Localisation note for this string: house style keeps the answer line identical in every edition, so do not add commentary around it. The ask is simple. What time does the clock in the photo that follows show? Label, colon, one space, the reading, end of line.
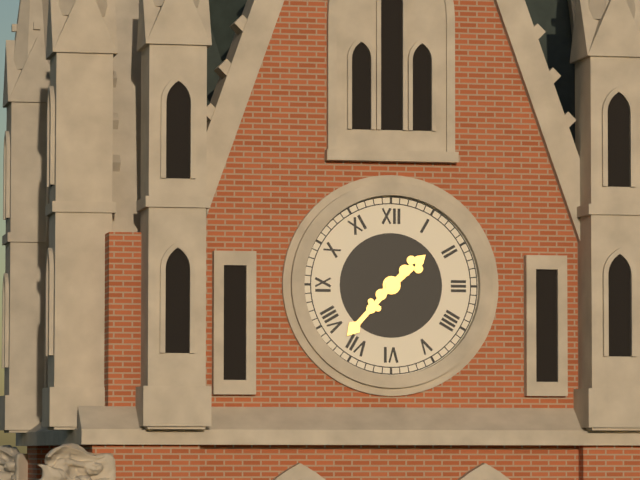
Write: 1:37
